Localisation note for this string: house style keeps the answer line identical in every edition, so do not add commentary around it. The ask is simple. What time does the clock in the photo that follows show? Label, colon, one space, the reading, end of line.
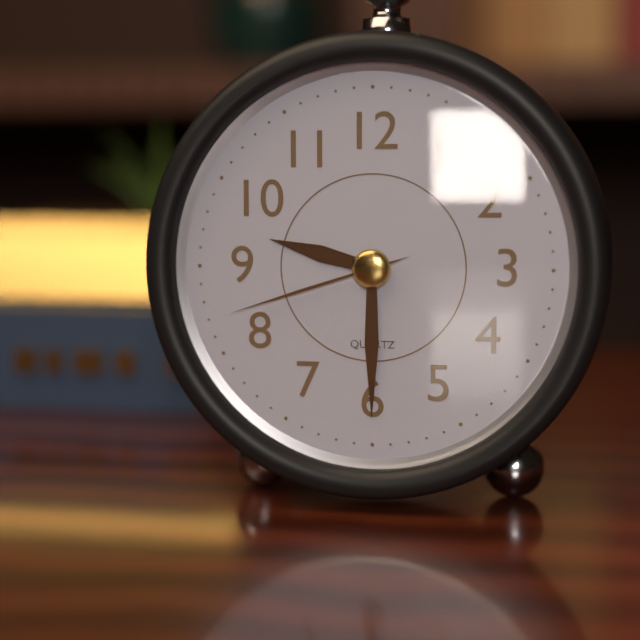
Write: 9:30:42
